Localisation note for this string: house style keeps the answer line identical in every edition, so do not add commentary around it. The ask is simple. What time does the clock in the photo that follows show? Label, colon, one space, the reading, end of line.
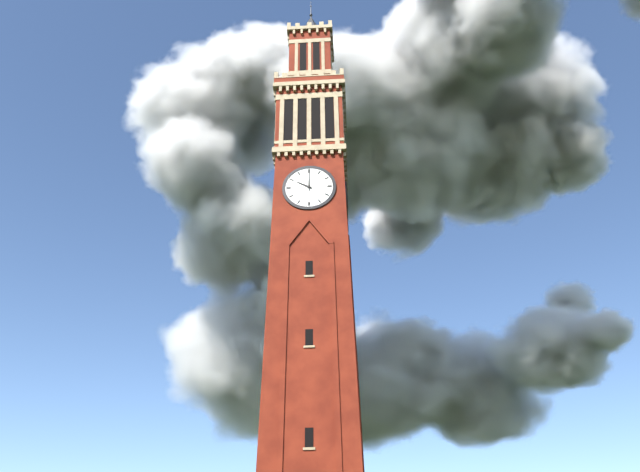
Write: 10:00
